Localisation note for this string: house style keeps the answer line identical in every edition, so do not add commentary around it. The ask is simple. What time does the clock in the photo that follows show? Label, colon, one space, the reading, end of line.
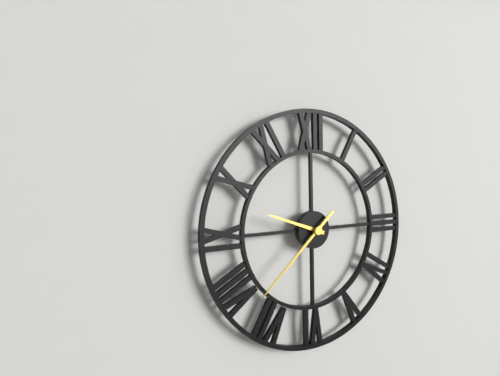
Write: 9:38
